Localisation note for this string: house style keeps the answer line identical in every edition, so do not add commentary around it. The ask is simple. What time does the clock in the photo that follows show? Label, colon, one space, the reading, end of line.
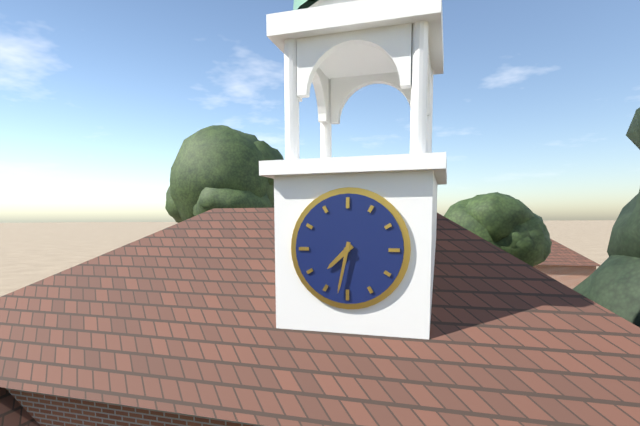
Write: 7:32
